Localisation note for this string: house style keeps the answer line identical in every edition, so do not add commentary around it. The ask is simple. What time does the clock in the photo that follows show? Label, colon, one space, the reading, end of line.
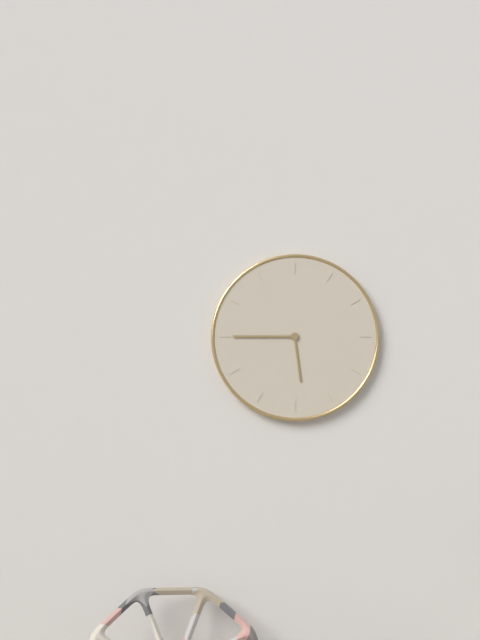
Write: 5:45
